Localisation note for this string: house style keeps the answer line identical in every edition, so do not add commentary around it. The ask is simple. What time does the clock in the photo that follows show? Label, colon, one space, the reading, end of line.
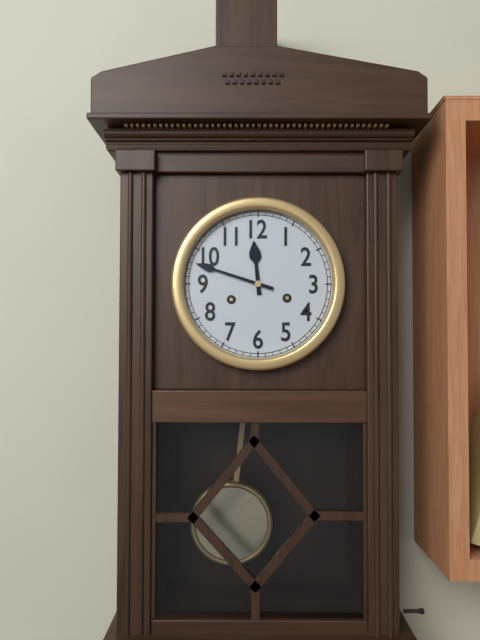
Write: 11:48
